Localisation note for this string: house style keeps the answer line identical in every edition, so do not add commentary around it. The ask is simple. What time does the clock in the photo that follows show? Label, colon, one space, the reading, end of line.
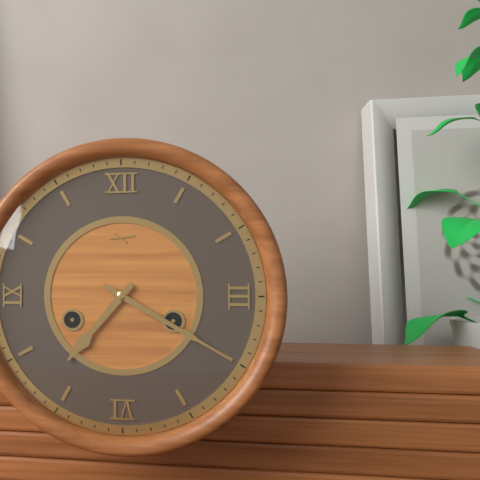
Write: 7:20
